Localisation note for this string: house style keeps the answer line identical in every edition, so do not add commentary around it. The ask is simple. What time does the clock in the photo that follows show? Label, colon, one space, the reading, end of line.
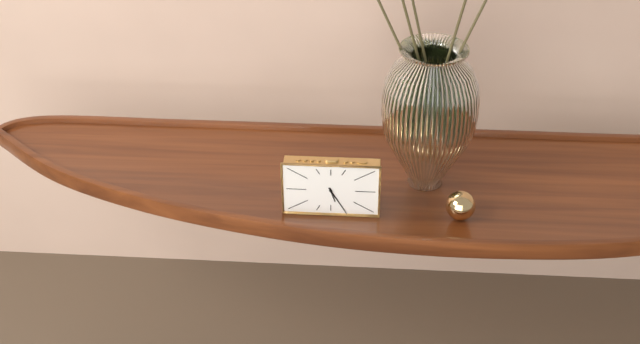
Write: 5:25
